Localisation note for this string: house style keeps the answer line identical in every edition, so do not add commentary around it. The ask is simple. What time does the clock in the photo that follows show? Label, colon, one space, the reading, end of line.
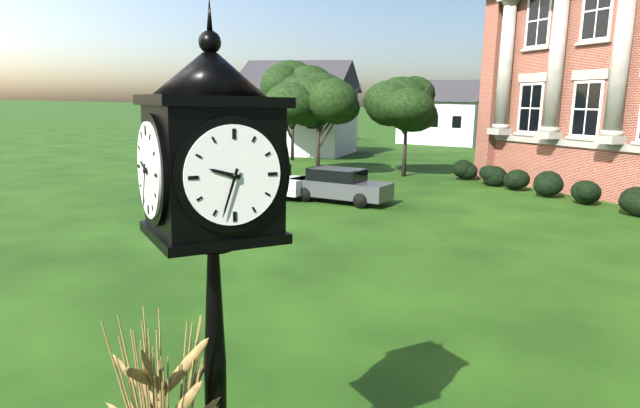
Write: 9:33
